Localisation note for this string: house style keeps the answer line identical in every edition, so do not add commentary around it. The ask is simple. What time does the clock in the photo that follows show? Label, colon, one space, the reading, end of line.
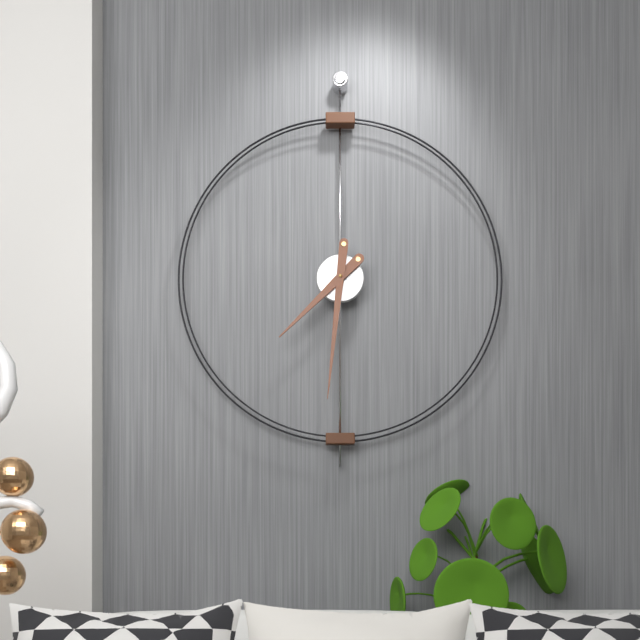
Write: 7:31
